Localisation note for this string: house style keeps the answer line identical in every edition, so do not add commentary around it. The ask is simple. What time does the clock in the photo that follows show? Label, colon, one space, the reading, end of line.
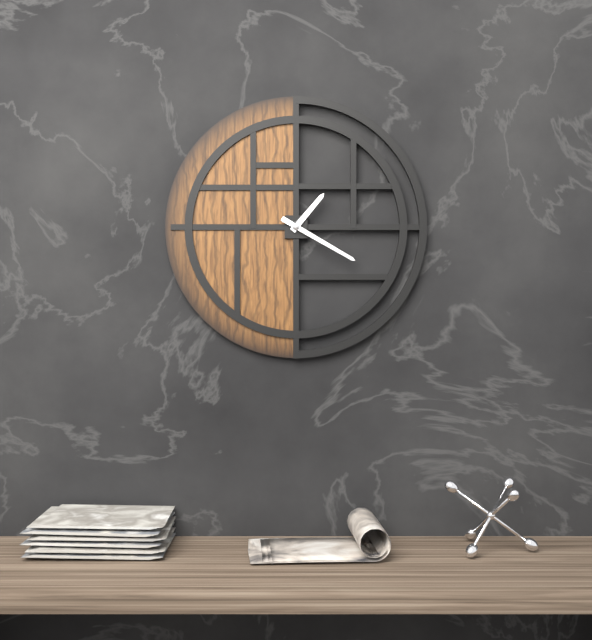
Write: 1:20
